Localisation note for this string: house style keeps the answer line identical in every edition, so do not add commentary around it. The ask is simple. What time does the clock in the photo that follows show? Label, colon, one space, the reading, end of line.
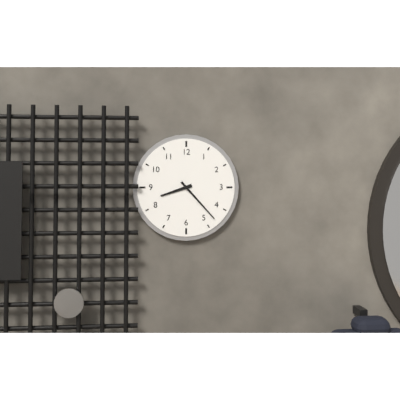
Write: 8:23
